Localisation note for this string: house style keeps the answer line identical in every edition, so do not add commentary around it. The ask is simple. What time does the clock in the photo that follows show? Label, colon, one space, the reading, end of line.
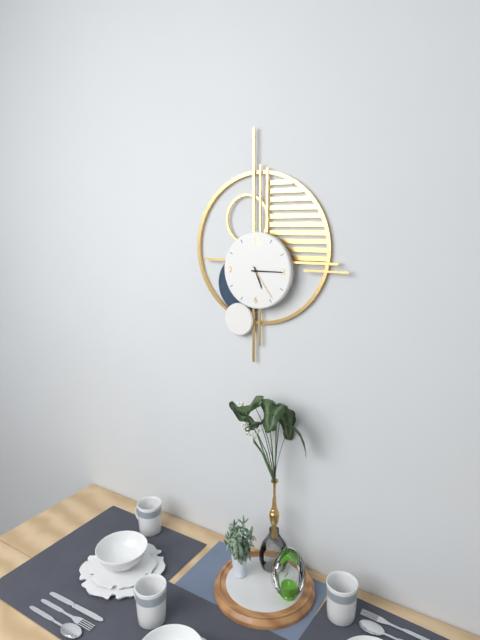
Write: 5:15
